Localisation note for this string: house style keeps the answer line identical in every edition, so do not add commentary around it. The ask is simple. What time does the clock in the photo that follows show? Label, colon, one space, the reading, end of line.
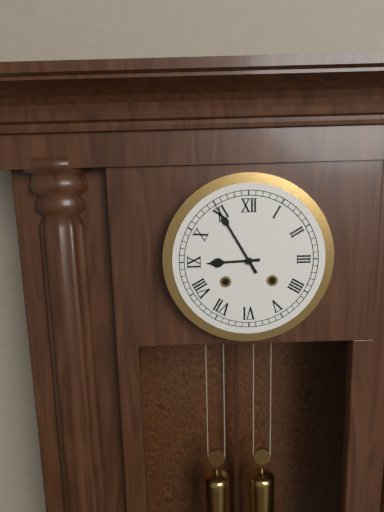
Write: 8:55
